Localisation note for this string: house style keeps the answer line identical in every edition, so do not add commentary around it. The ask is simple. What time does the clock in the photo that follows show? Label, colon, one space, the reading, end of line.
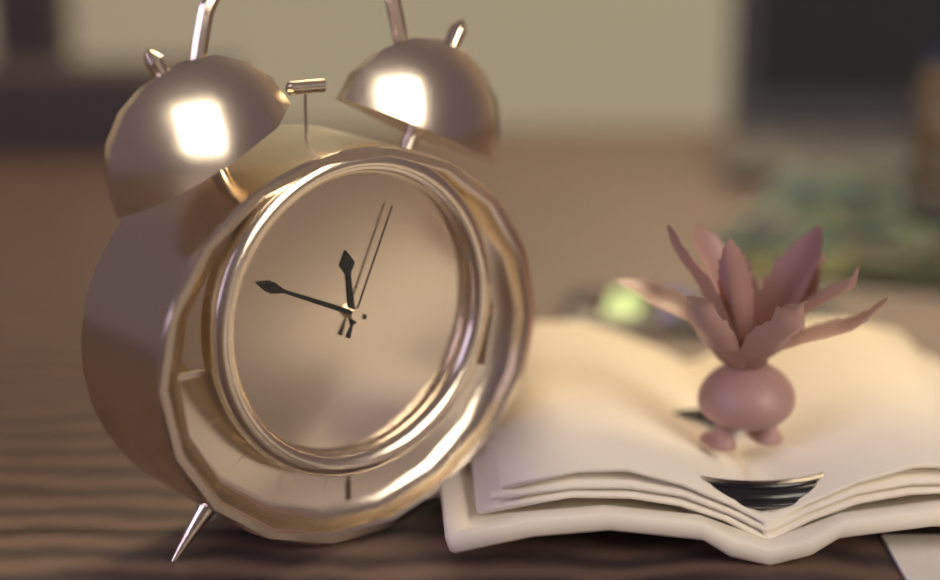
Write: 11:49:04
